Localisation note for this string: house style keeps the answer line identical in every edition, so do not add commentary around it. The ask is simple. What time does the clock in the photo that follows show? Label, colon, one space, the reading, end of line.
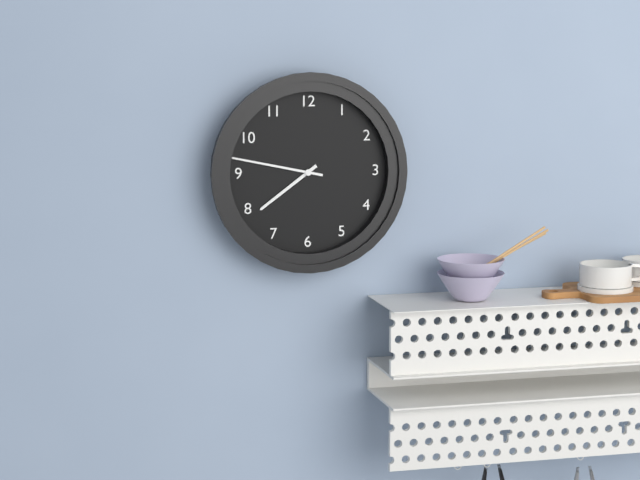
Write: 7:47
